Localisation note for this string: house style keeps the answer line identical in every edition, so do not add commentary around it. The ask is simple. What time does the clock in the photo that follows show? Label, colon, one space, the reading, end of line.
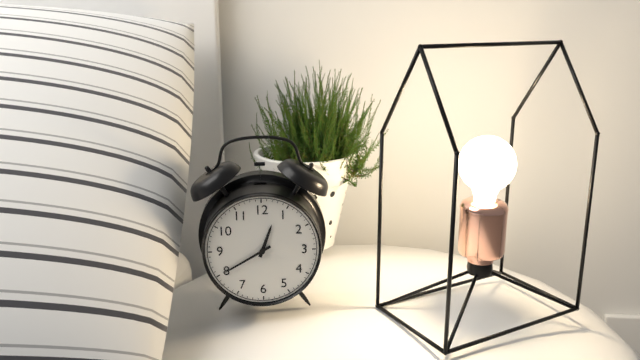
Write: 12:40
